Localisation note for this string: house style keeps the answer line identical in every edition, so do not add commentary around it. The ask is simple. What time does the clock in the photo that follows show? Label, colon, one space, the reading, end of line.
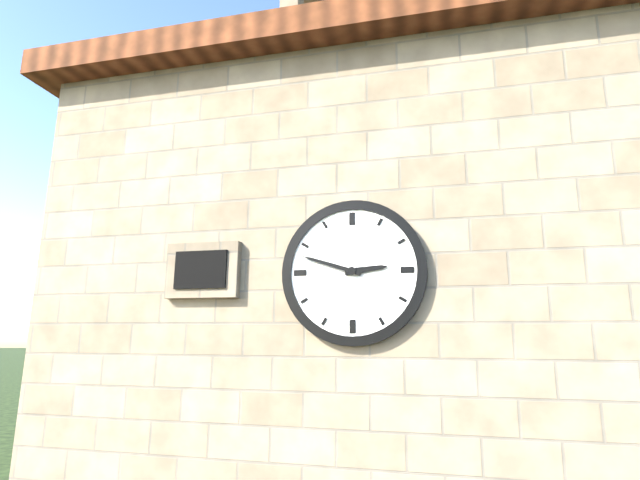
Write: 2:48
